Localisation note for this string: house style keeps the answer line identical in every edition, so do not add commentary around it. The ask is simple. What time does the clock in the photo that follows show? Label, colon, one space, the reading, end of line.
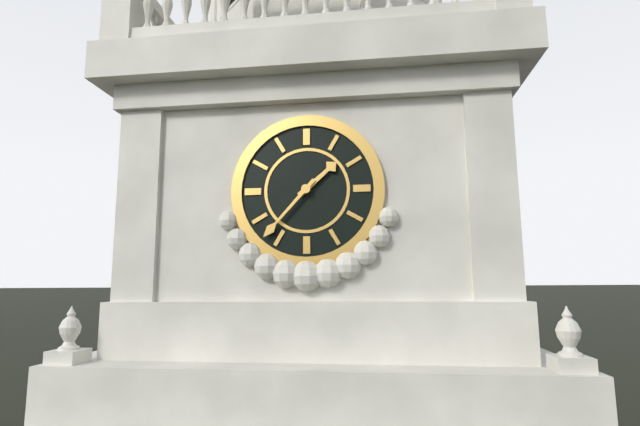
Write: 1:37
